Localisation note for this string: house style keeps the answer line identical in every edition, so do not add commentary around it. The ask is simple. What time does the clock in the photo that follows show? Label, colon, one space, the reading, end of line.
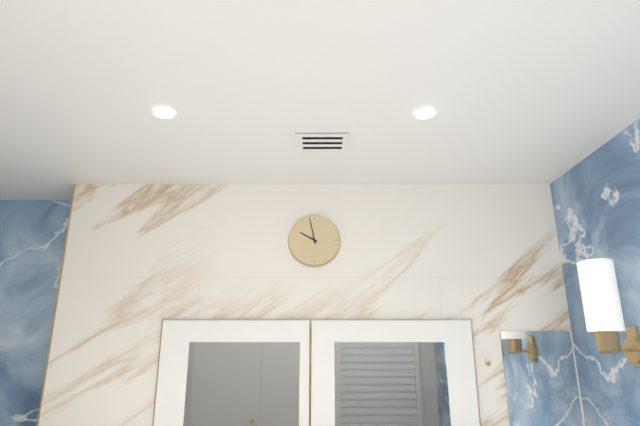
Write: 9:58
